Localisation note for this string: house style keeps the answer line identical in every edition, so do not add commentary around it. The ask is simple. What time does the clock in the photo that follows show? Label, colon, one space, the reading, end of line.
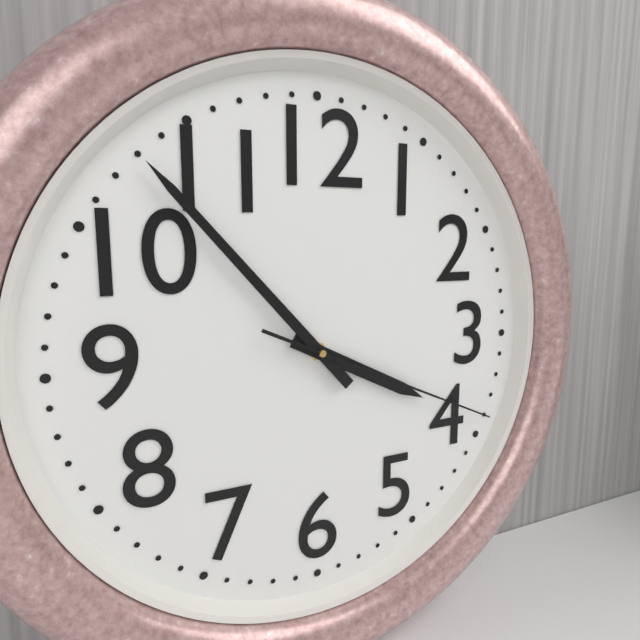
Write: 3:53:19
